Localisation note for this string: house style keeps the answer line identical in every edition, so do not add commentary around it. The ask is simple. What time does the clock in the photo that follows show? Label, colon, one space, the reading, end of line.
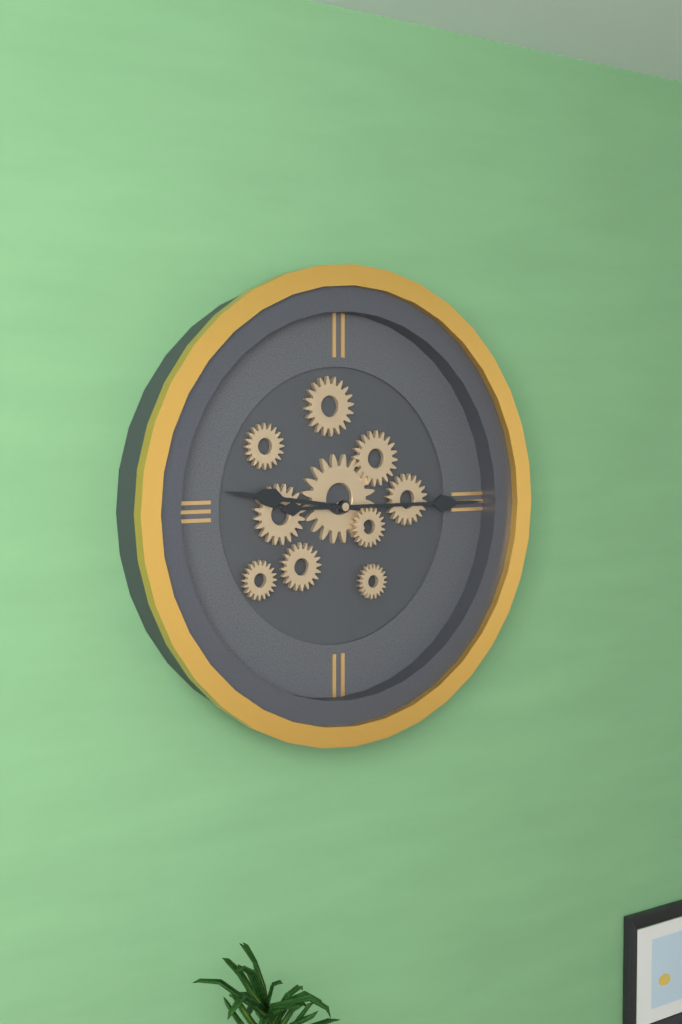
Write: 9:15
